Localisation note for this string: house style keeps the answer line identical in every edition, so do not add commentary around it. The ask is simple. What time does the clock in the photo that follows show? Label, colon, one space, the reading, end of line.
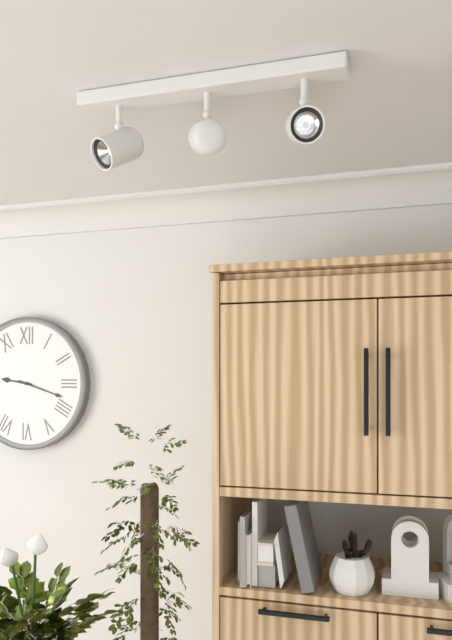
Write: 9:18
